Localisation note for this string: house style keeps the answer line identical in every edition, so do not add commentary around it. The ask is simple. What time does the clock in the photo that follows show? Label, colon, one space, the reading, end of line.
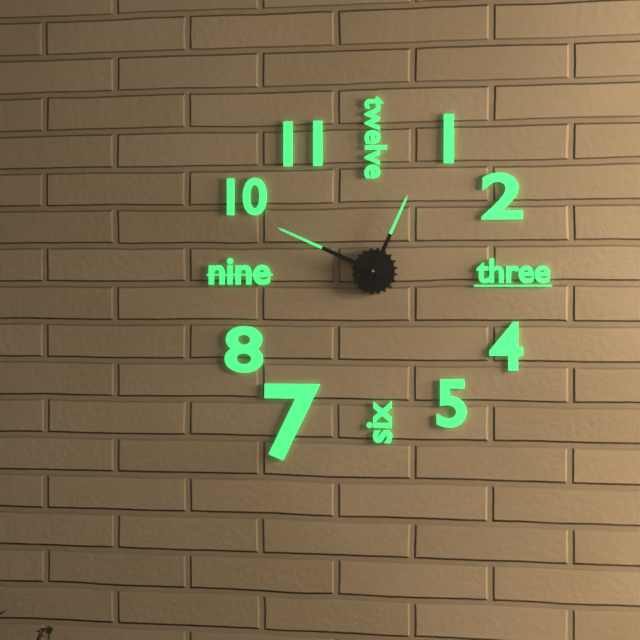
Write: 12:49
